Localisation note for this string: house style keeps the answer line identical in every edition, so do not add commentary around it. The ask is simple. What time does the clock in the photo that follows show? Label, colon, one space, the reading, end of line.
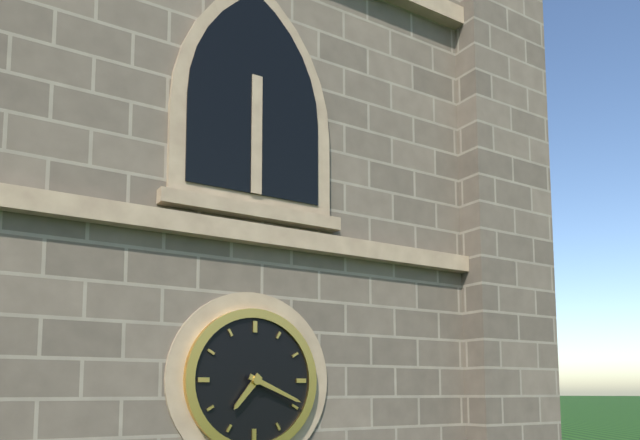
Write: 7:19
